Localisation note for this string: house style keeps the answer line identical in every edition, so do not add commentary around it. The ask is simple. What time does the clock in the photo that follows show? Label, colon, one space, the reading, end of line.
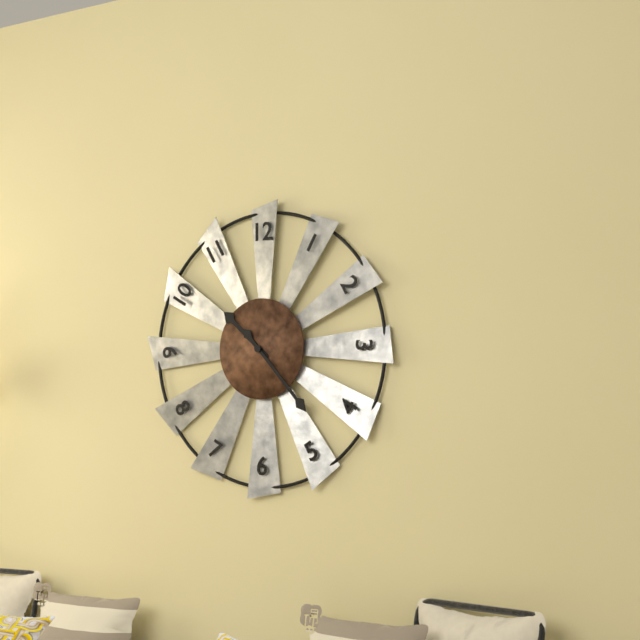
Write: 10:23
